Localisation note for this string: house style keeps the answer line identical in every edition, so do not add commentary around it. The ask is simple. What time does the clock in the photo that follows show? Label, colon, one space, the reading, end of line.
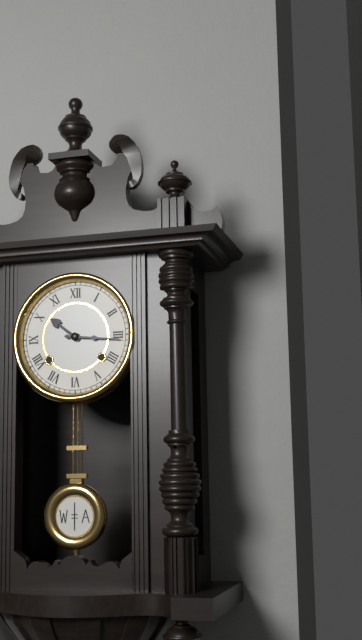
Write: 10:16
